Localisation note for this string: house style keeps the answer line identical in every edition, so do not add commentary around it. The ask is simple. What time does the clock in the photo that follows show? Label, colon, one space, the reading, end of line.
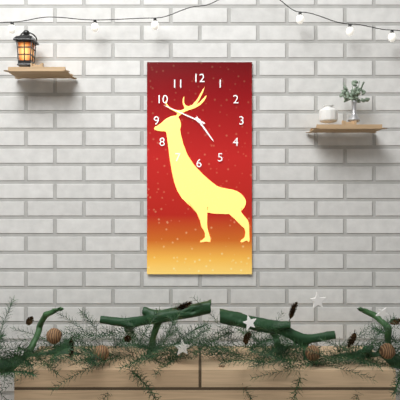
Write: 4:49
